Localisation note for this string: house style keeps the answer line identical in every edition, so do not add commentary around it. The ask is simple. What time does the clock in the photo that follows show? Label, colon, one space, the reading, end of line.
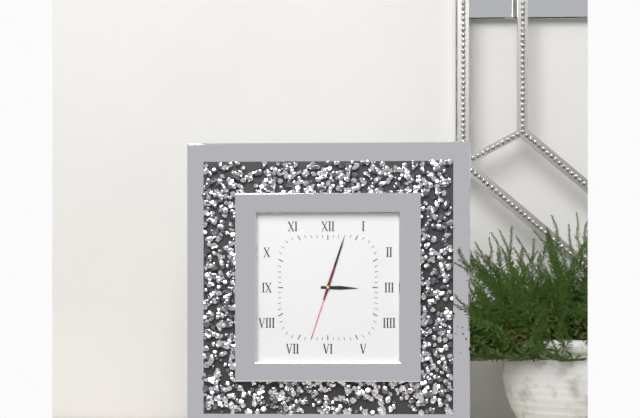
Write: 3:03:33
